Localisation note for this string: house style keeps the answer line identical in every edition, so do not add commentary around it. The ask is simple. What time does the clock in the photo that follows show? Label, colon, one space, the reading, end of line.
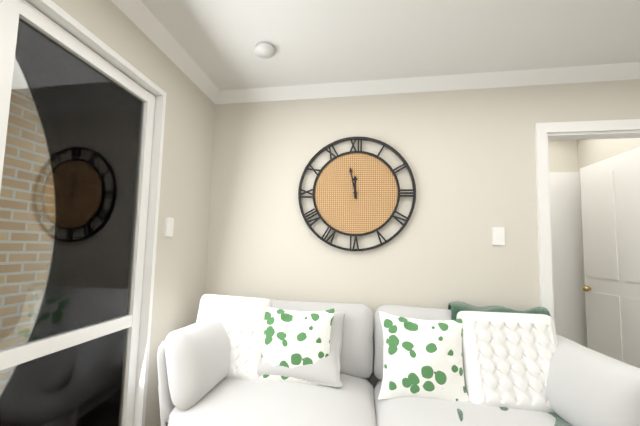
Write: 11:58
